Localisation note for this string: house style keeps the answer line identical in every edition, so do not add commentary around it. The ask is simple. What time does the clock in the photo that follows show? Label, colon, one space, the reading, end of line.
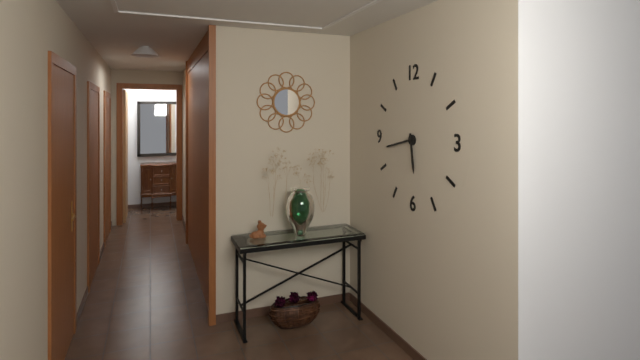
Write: 5:43
